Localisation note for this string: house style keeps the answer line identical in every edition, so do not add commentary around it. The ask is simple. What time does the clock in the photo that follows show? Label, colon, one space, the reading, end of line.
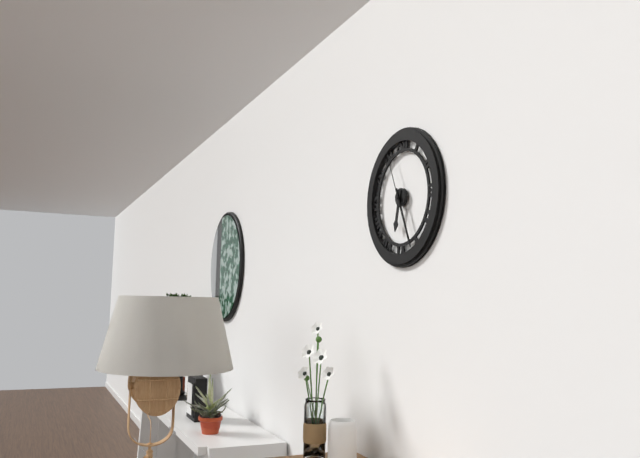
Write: 6:26:56
